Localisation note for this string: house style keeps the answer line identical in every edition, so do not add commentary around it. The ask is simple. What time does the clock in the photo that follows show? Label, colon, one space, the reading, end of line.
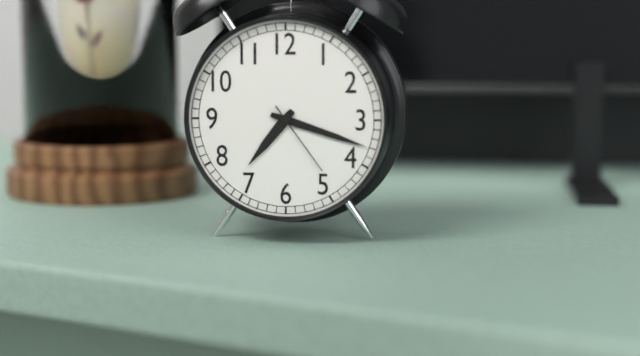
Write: 7:18:24
